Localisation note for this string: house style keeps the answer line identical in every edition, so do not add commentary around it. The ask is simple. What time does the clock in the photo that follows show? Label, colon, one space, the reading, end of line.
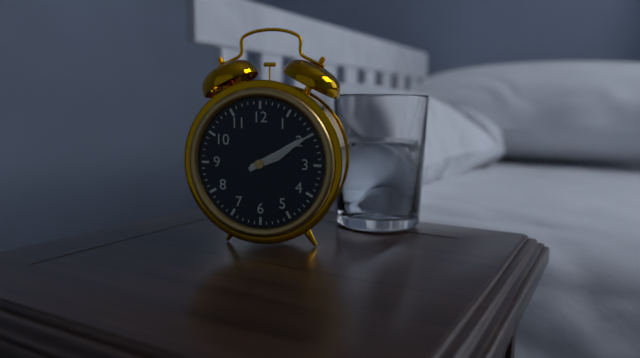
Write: 2:10
